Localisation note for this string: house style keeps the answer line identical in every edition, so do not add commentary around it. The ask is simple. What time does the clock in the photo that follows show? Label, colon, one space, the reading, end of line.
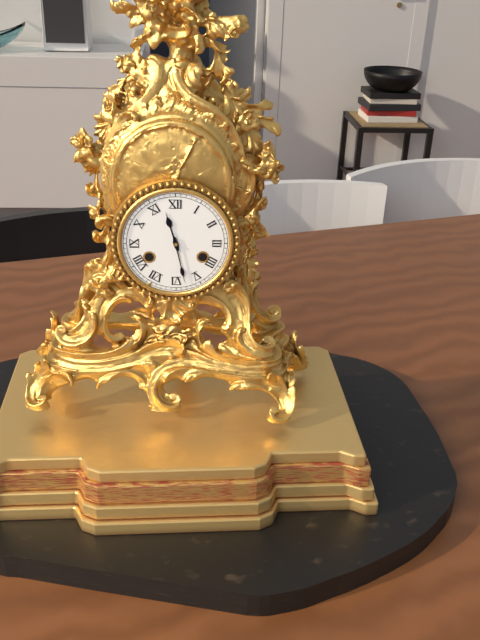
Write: 11:28
